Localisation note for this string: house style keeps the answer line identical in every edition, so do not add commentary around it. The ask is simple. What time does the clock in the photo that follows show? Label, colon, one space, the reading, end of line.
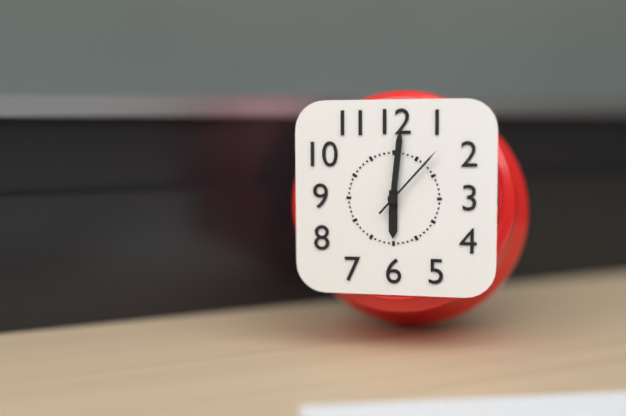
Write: 6:01:07
